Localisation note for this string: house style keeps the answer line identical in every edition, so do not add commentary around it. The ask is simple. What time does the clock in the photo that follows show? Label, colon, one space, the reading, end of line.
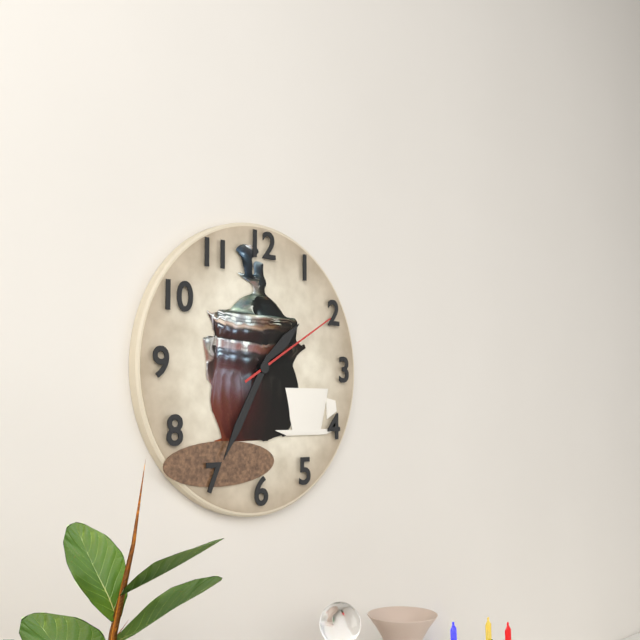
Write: 1:35:10
